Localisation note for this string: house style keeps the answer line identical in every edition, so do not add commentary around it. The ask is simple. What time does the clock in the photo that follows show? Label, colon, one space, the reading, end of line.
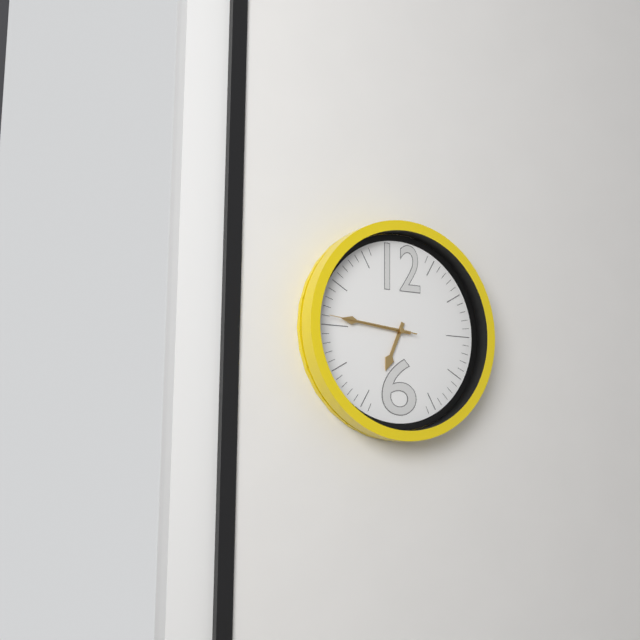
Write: 6:46:46
